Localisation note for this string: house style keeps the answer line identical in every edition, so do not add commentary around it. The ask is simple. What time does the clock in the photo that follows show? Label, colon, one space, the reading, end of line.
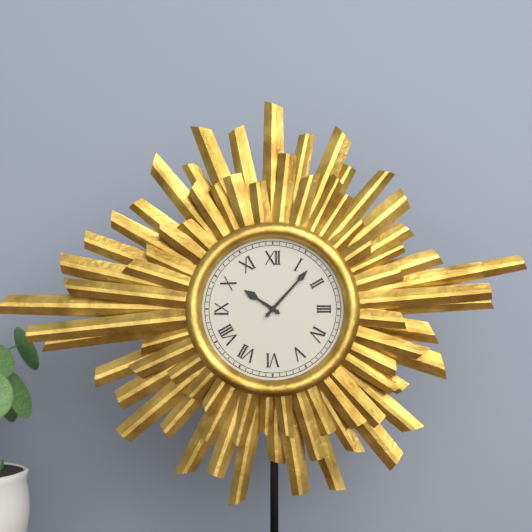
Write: 10:07
